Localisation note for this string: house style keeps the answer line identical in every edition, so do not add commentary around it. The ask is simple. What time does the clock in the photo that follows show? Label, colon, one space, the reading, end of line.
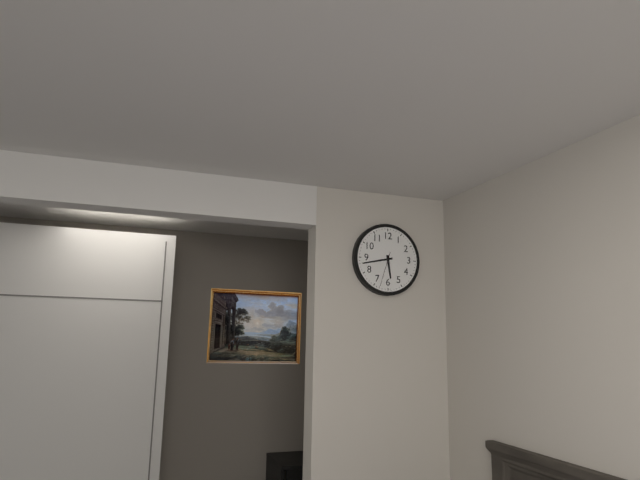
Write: 5:43
